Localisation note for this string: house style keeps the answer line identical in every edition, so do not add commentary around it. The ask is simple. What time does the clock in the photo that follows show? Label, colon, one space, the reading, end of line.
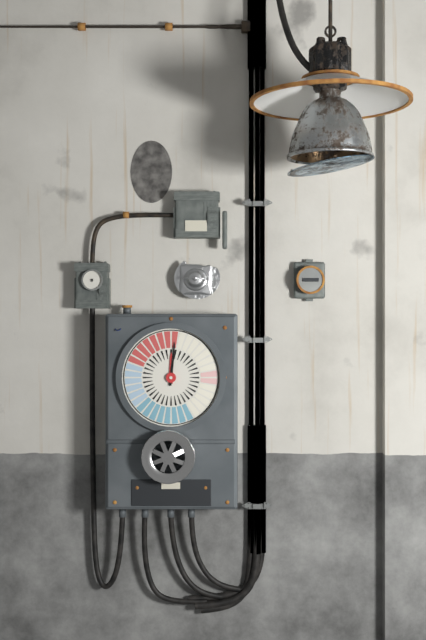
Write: 12:01
